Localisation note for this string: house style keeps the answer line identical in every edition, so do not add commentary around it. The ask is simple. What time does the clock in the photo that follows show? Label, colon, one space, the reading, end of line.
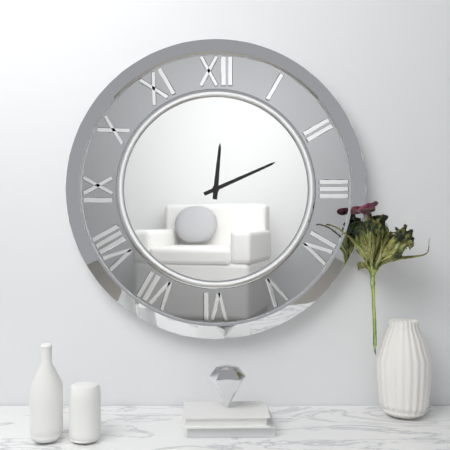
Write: 12:11
